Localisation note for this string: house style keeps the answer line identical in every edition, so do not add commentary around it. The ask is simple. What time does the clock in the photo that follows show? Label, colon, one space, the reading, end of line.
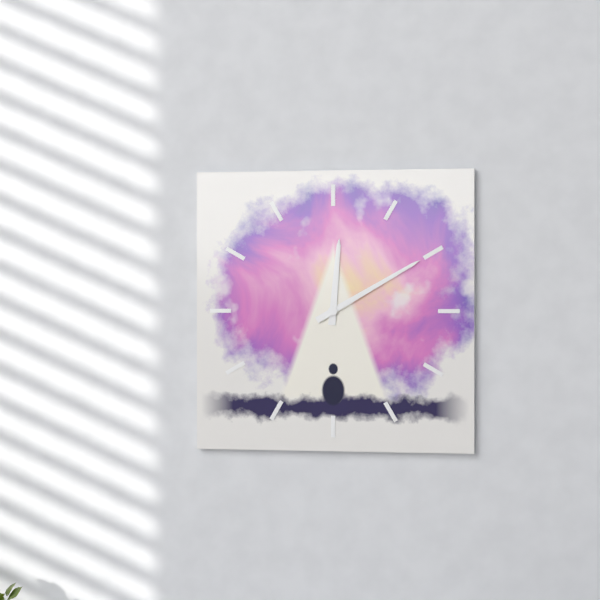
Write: 12:10
